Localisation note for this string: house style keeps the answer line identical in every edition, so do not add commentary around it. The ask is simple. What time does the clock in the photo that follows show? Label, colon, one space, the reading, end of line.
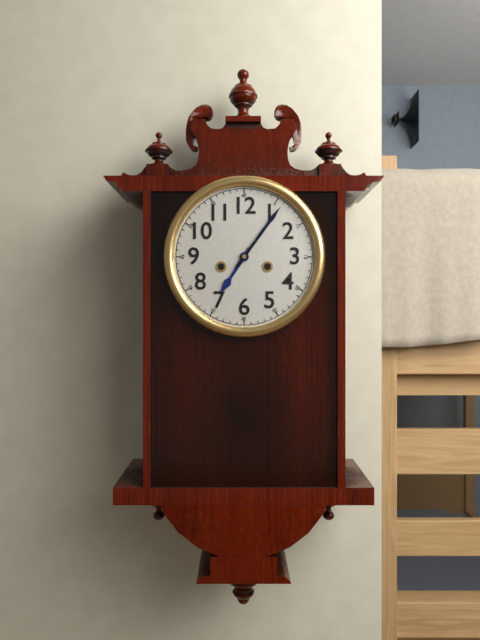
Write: 7:06
